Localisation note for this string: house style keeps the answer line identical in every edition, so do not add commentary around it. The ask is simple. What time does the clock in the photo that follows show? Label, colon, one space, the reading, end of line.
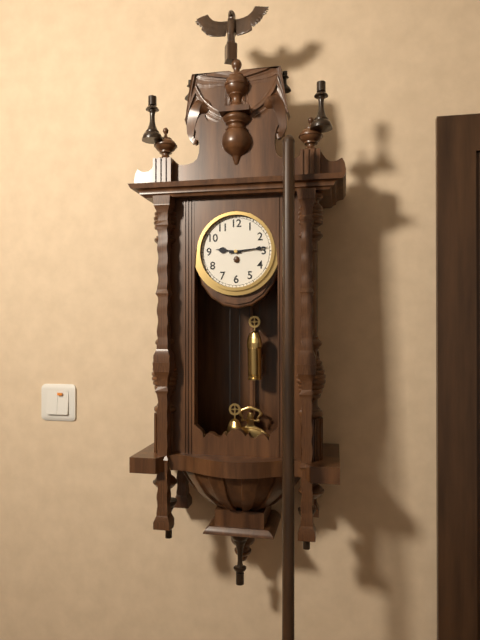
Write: 9:14
